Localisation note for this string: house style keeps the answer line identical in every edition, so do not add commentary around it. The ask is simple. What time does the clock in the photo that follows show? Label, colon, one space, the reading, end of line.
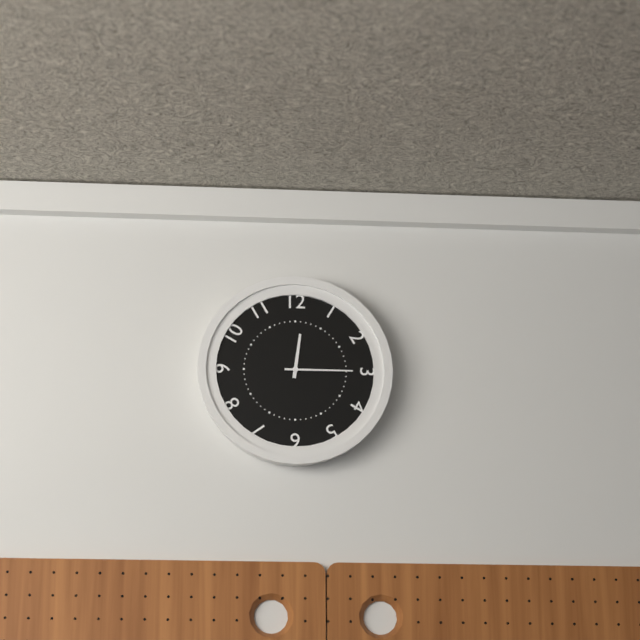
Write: 12:15
